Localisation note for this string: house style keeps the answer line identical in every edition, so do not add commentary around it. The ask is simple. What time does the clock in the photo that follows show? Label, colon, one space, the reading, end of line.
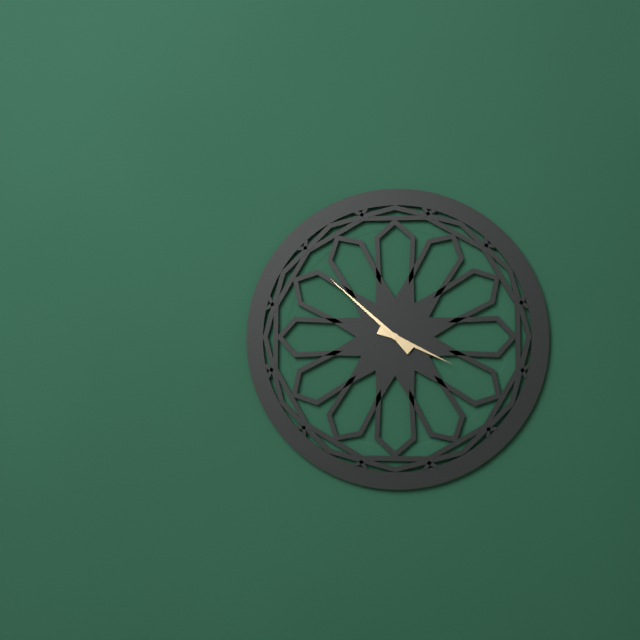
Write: 3:52
